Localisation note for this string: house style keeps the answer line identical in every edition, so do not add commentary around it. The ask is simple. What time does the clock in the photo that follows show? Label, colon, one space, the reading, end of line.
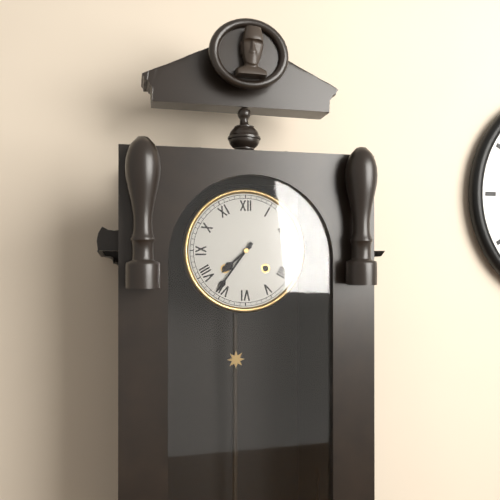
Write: 7:36
